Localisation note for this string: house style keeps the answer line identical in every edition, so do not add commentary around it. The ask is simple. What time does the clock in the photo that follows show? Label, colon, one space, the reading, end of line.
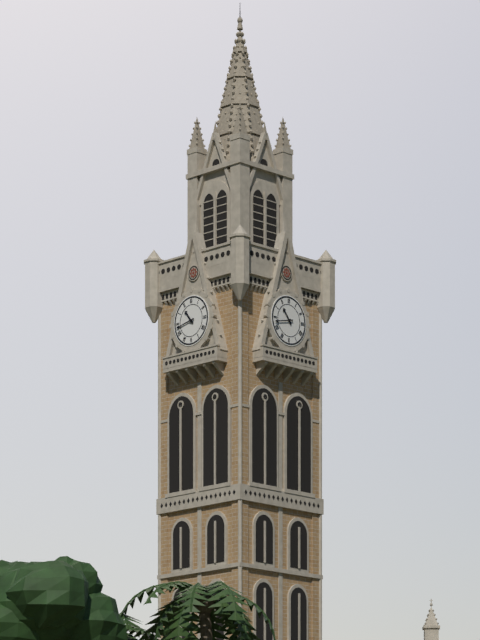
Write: 10:43
